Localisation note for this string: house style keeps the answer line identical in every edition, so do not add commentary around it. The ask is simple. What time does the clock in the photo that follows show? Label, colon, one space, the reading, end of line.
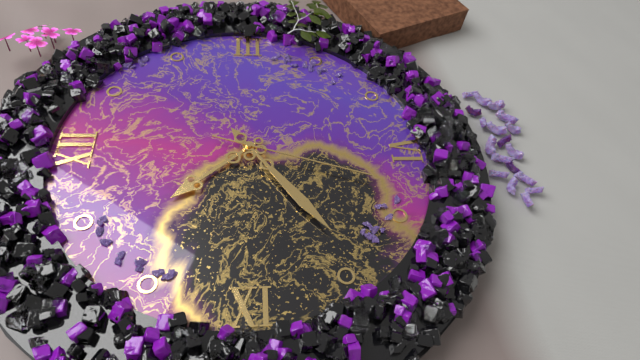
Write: 10:39:33
